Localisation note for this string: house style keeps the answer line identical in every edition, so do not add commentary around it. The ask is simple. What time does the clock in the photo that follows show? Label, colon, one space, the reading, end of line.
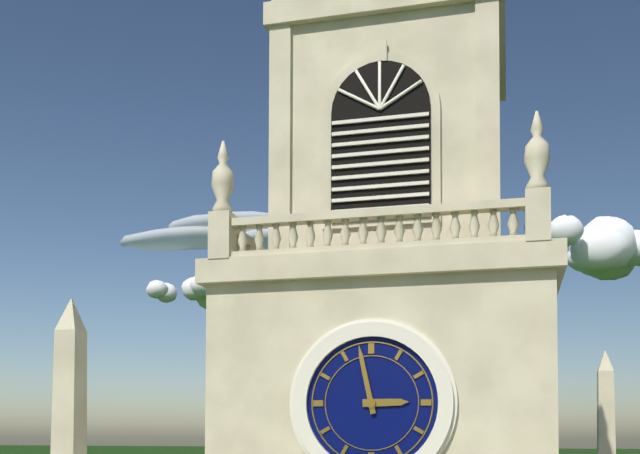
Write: 2:58
